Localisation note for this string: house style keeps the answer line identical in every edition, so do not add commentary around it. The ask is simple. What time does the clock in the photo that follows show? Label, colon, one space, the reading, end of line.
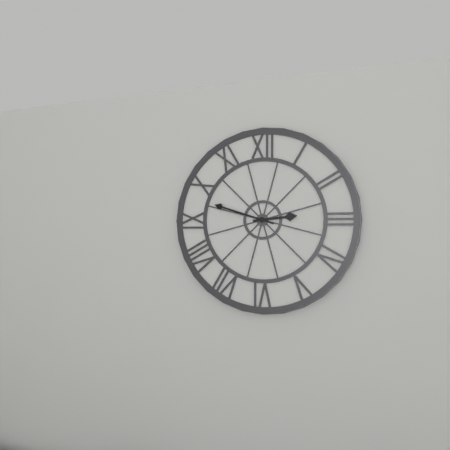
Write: 2:48
